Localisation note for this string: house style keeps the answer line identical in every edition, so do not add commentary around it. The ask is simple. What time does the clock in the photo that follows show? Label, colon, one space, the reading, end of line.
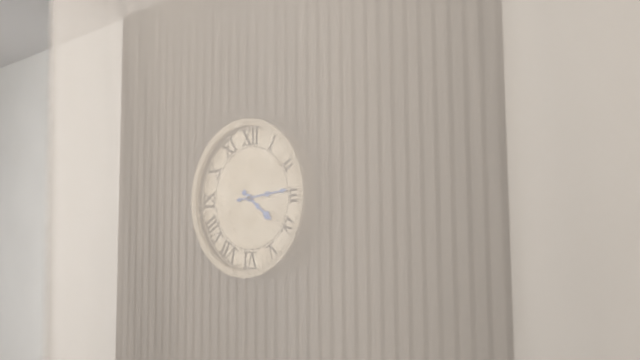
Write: 4:14
